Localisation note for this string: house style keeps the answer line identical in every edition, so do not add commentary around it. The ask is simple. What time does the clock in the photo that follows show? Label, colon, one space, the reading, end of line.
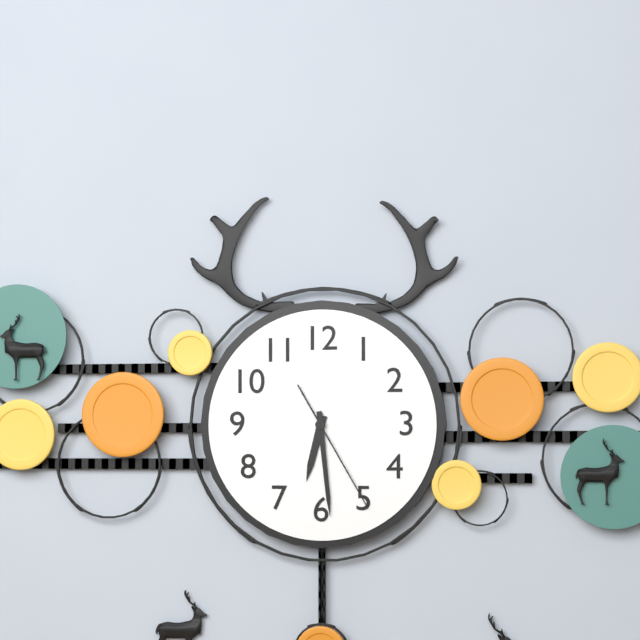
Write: 6:29:25
